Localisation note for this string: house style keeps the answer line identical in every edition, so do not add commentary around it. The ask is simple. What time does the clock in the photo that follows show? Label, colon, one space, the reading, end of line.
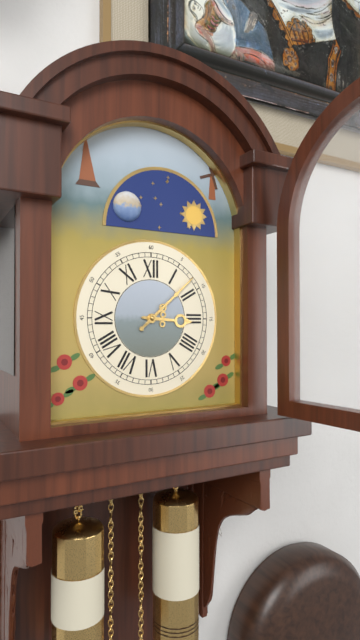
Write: 3:08
